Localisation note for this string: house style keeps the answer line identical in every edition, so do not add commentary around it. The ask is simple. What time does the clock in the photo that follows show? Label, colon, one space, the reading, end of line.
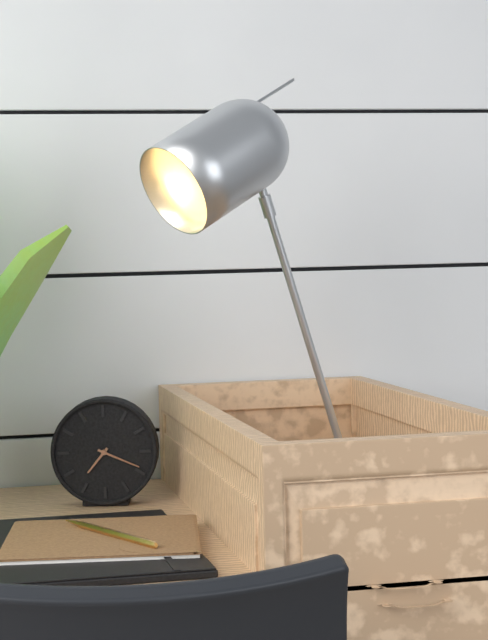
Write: 7:19
